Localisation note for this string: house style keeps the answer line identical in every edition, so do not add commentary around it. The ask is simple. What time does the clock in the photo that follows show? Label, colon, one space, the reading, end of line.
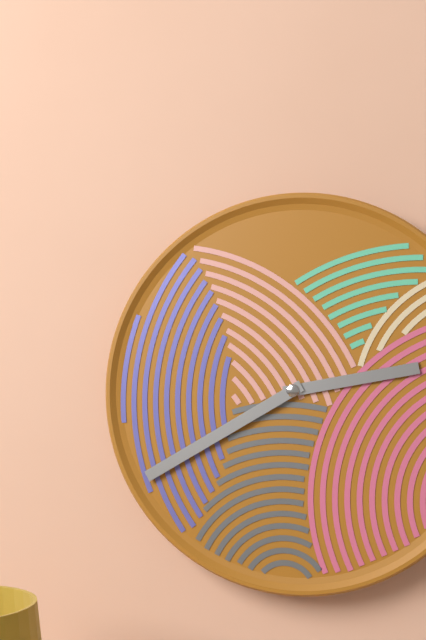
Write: 2:40
